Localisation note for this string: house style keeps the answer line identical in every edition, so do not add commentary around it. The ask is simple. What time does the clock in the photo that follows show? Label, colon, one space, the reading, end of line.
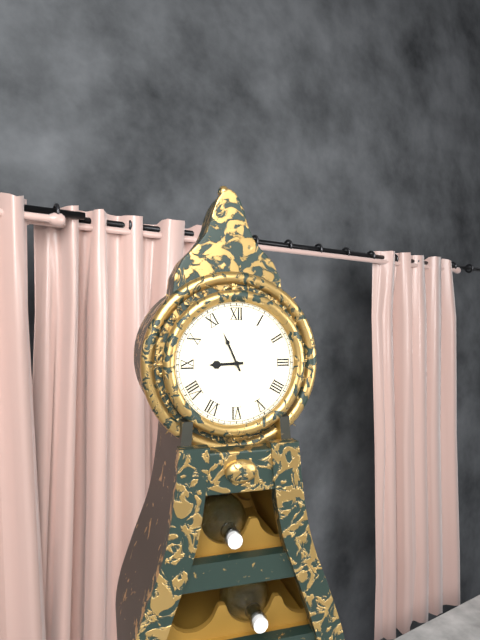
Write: 8:56
